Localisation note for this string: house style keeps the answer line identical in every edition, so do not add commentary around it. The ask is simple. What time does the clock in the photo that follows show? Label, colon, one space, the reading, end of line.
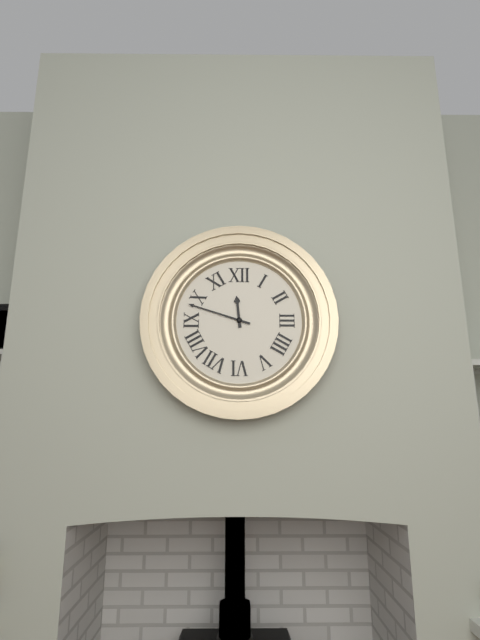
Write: 11:48
